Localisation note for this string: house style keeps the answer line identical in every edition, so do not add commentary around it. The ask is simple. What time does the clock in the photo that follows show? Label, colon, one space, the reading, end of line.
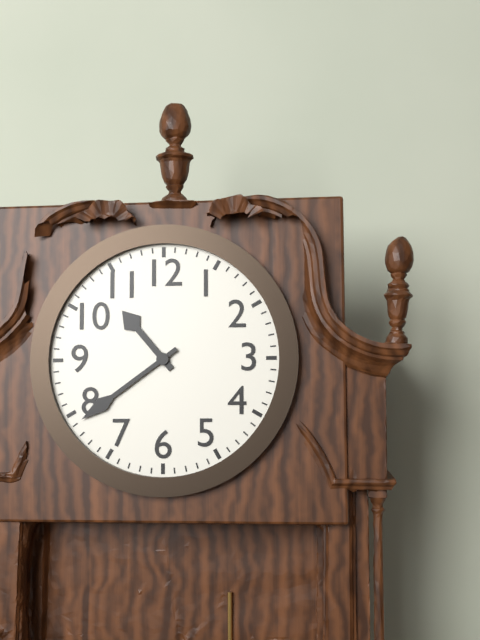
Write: 10:39
